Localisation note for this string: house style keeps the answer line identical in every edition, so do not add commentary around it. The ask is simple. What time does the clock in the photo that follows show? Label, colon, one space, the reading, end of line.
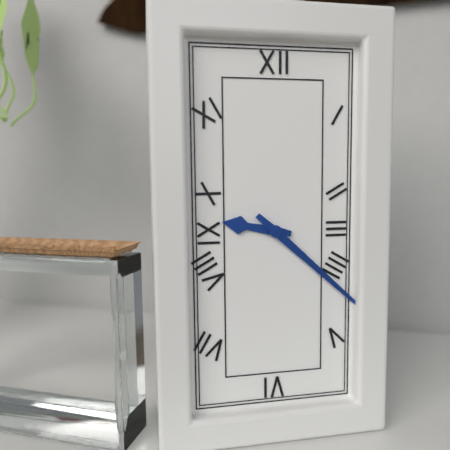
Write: 9:22
